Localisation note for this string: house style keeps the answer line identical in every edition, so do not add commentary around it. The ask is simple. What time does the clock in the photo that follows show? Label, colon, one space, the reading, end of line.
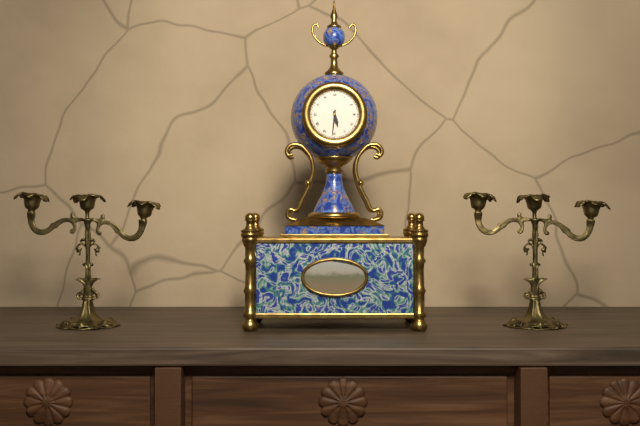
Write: 5:31
